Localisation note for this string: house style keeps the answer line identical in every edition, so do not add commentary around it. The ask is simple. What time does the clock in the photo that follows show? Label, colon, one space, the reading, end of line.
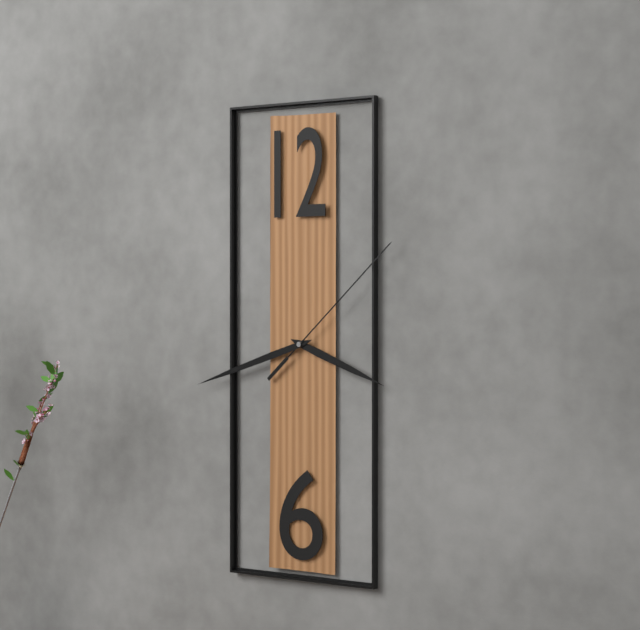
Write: 3:42:08
